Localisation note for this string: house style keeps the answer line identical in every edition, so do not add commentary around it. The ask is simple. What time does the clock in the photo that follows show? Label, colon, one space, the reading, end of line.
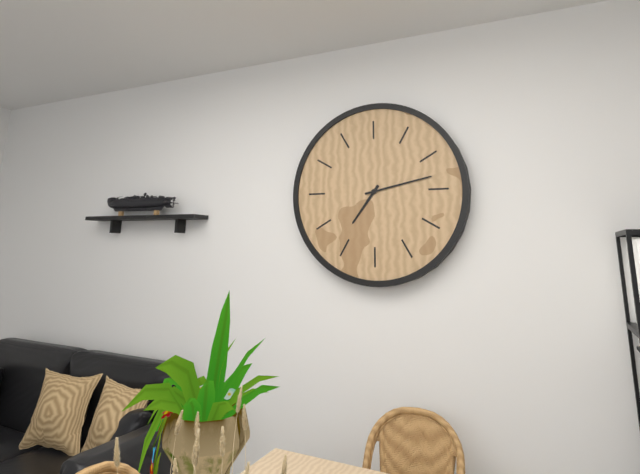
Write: 7:13
